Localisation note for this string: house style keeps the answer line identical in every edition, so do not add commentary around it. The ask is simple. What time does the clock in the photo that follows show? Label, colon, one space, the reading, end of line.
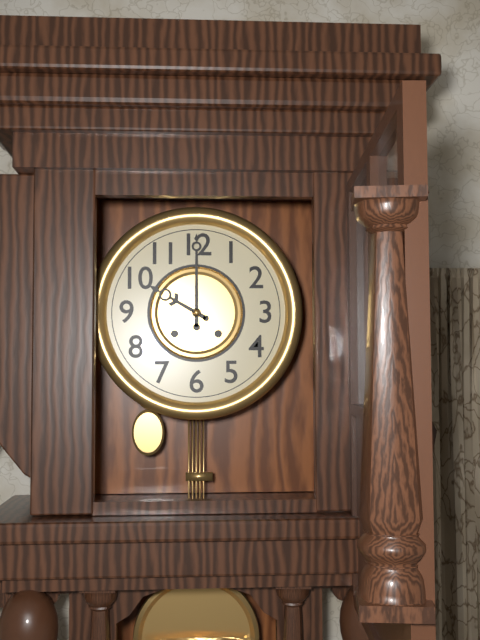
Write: 10:00
